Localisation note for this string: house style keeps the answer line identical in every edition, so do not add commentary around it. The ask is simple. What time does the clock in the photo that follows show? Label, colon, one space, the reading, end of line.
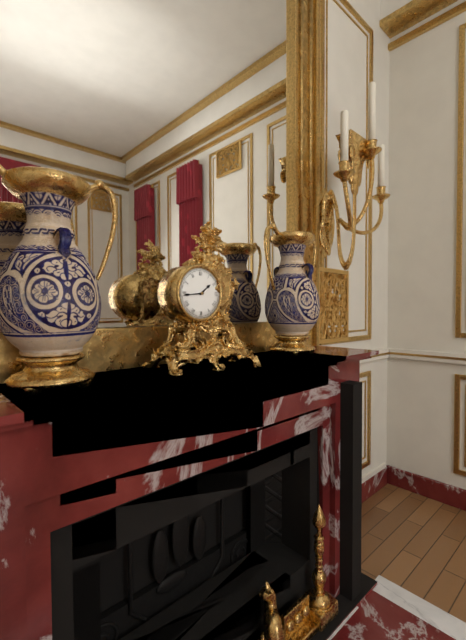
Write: 1:44
